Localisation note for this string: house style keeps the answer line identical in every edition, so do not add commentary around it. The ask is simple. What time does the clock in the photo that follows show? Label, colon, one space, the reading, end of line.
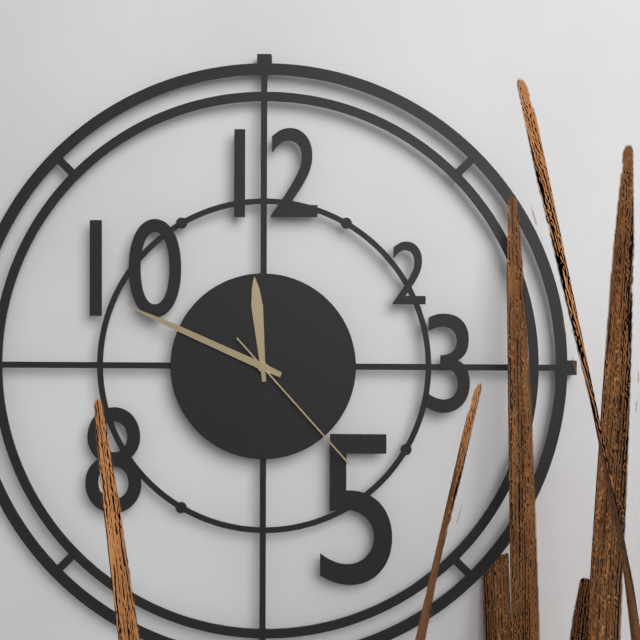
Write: 11:49:23
